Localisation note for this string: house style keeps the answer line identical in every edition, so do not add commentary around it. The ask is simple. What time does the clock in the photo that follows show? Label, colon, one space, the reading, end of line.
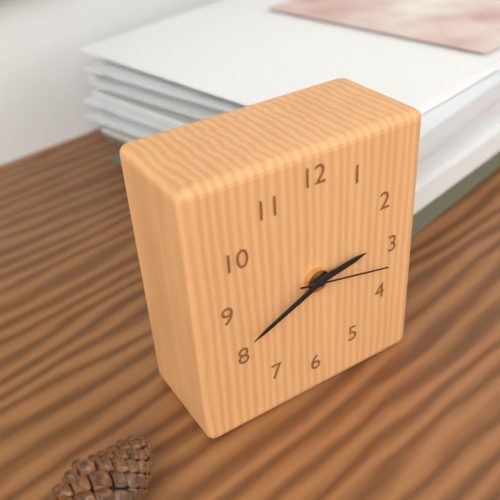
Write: 2:41:17
